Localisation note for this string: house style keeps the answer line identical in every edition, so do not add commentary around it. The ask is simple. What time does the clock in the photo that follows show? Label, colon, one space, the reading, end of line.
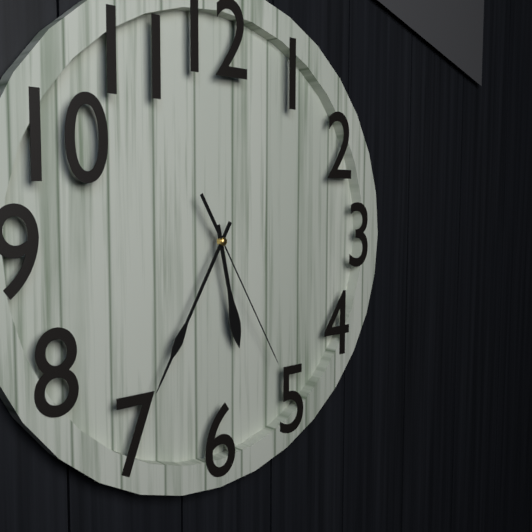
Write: 5:35:25
